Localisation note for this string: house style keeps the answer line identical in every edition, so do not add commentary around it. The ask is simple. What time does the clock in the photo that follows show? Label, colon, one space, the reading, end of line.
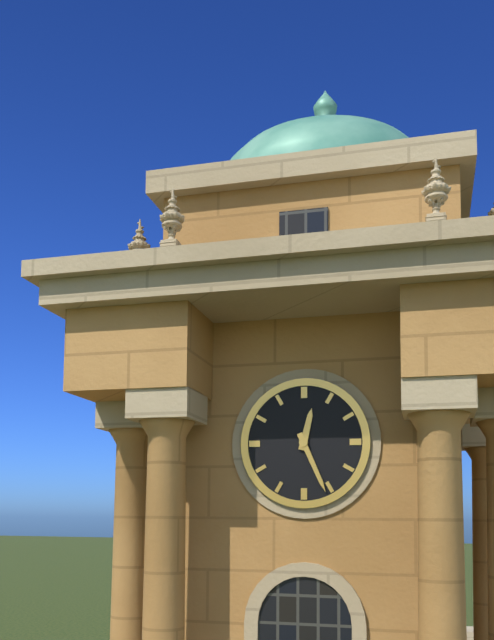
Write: 12:26
